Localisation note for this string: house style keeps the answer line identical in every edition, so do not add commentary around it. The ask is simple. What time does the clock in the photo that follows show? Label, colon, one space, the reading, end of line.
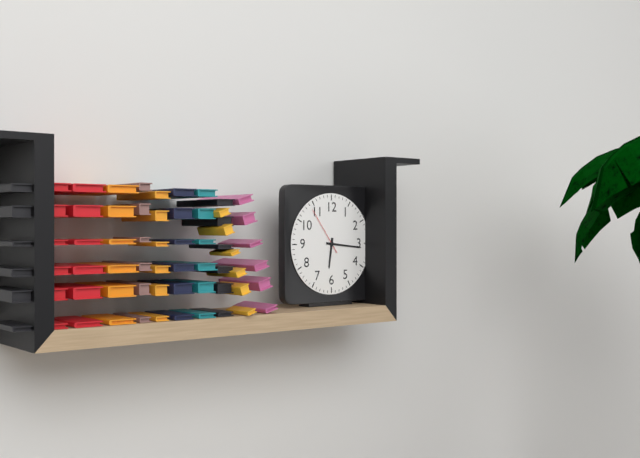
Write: 6:16:54
